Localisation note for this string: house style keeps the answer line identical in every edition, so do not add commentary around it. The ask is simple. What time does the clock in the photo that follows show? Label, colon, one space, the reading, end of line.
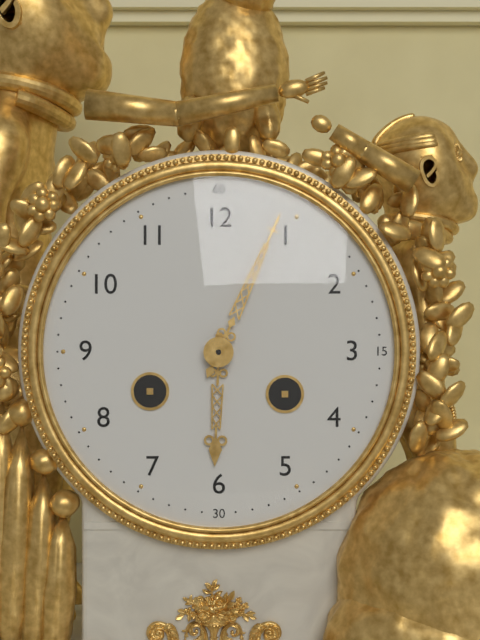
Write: 6:04
